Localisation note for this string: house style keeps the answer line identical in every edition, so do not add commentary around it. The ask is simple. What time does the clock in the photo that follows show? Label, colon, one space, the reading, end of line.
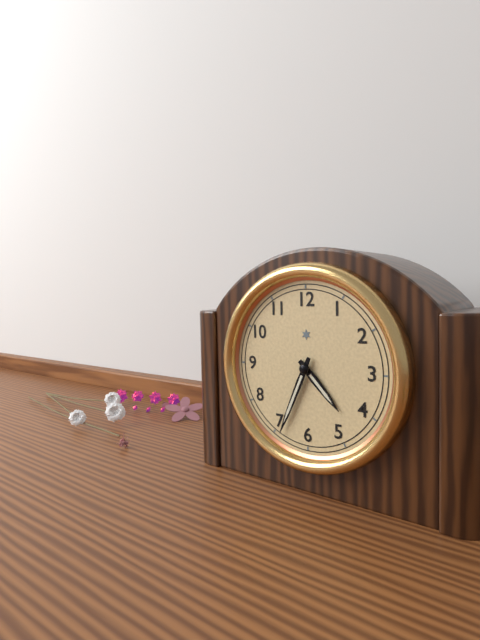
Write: 4:34
